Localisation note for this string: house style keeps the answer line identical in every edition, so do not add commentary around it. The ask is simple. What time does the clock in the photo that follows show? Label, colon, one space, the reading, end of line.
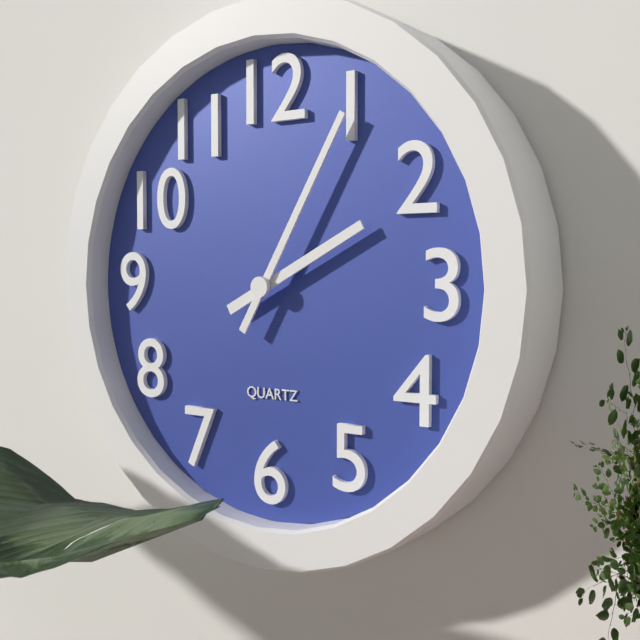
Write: 2:05
